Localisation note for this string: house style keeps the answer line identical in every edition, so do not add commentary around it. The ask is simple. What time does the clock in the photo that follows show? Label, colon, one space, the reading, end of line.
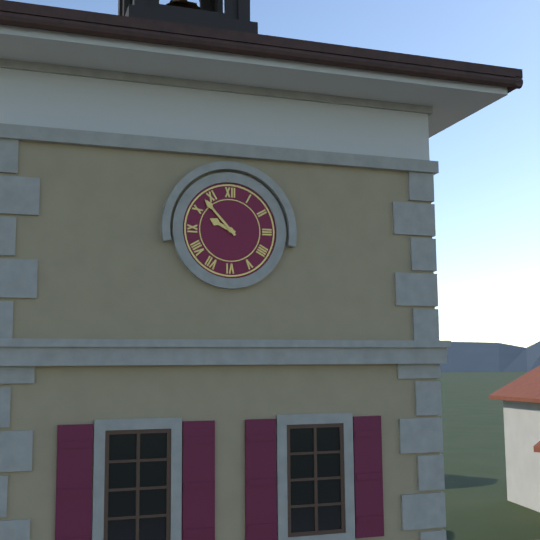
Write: 9:53
